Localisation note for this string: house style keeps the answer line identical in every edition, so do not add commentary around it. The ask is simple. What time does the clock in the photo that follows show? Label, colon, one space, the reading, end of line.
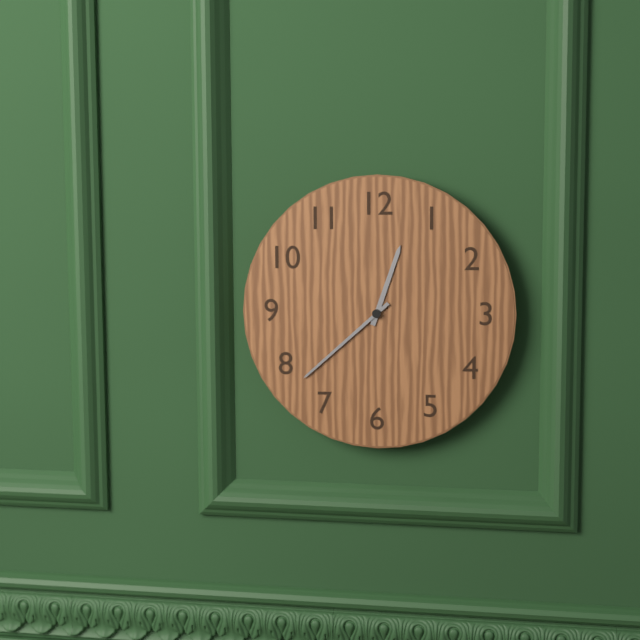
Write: 12:38
